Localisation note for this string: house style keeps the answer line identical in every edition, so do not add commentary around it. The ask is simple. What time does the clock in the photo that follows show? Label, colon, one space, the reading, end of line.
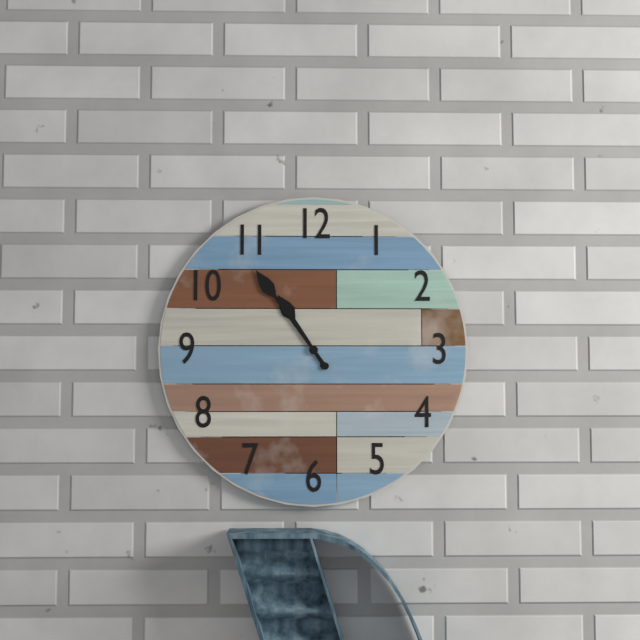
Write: 10:54
